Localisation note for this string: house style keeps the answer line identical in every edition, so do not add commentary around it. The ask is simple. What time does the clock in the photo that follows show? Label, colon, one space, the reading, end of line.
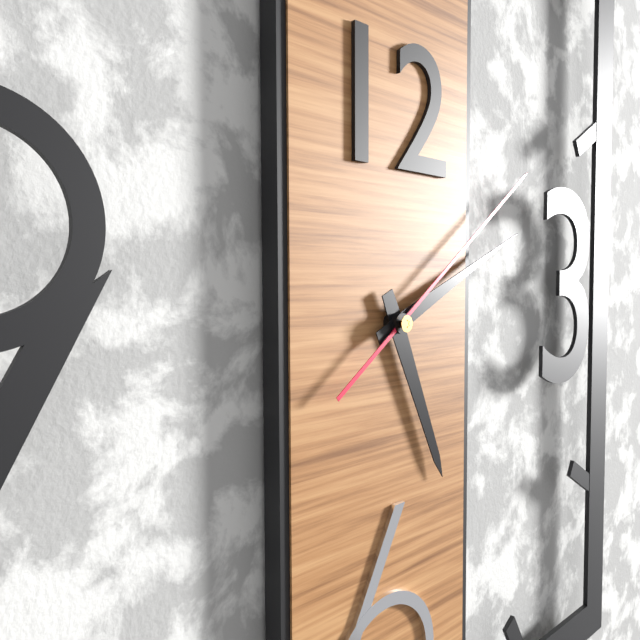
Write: 5:11:09
